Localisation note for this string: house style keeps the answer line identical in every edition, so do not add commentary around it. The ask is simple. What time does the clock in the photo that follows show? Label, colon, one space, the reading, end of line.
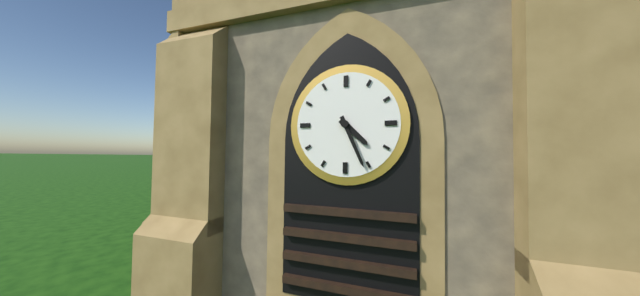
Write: 4:26
